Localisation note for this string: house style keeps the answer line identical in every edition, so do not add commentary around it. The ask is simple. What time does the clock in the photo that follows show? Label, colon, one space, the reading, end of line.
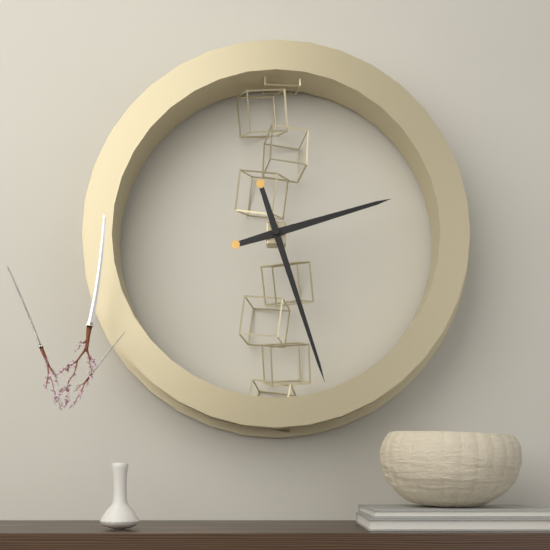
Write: 2:27
